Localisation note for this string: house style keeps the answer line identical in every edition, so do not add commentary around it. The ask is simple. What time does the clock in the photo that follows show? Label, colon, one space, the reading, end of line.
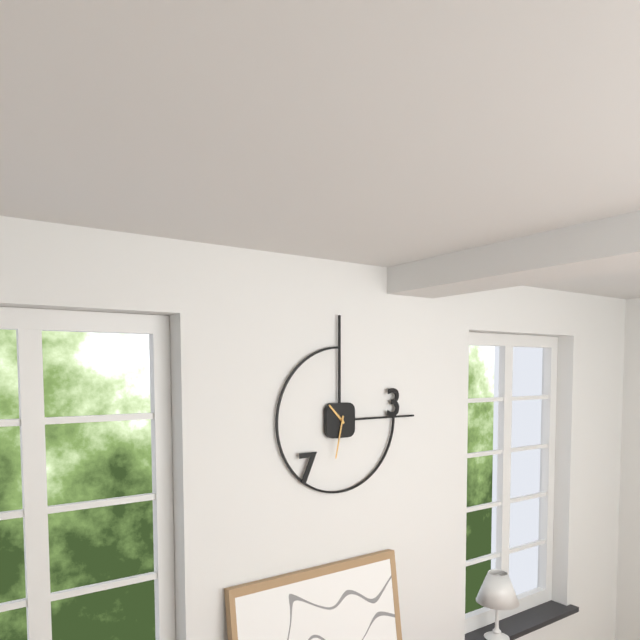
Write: 10:32
